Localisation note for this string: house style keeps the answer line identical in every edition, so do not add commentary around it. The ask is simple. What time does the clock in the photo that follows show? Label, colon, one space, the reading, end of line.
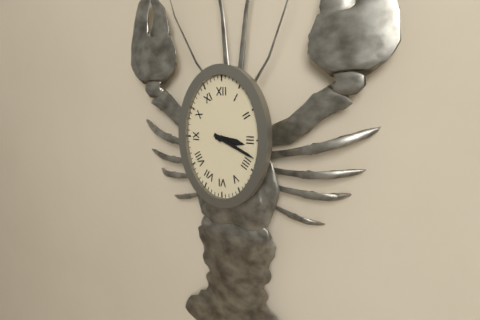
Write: 3:19
